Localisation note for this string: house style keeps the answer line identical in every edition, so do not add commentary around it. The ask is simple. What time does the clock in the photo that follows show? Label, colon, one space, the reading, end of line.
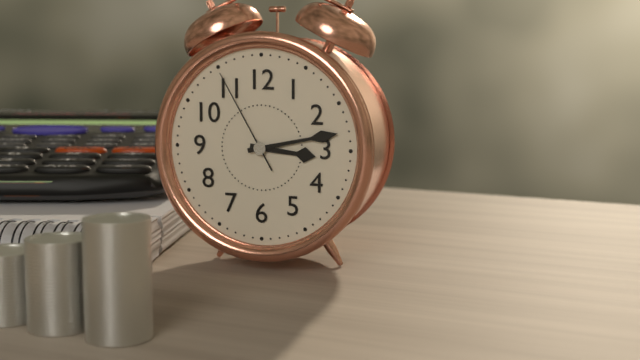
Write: 3:13:55
